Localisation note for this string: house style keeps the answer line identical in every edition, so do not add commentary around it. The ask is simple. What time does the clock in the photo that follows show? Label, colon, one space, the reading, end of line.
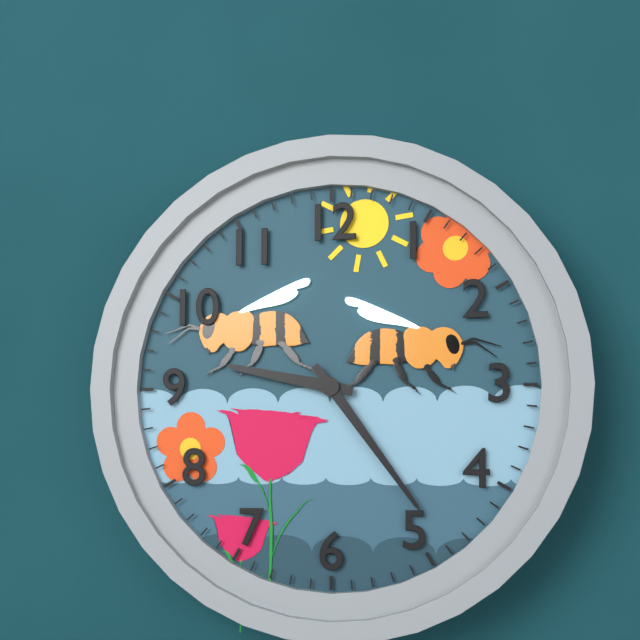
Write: 9:24
